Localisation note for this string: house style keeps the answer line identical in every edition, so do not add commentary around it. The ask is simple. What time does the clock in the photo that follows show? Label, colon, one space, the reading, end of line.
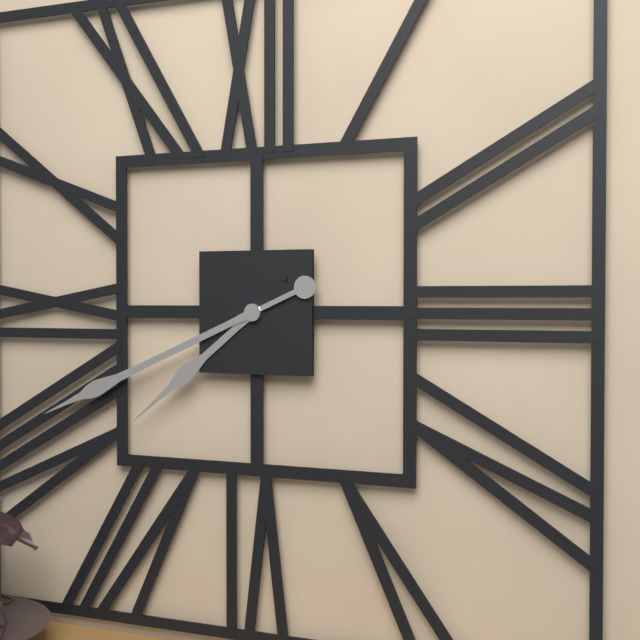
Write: 7:41
